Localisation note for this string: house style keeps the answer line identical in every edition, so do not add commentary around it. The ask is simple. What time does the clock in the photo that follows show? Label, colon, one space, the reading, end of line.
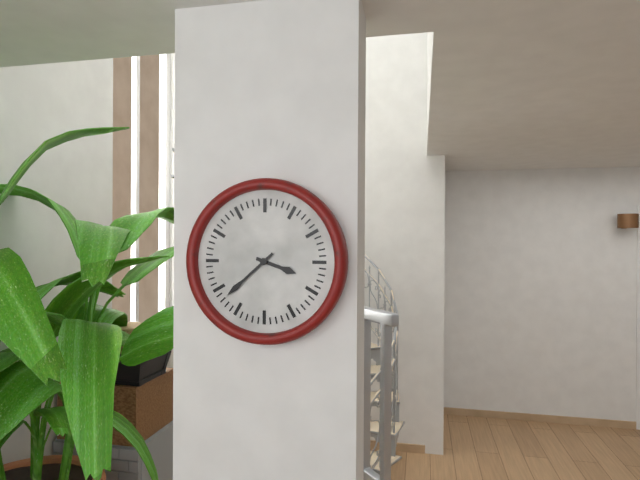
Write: 3:38
